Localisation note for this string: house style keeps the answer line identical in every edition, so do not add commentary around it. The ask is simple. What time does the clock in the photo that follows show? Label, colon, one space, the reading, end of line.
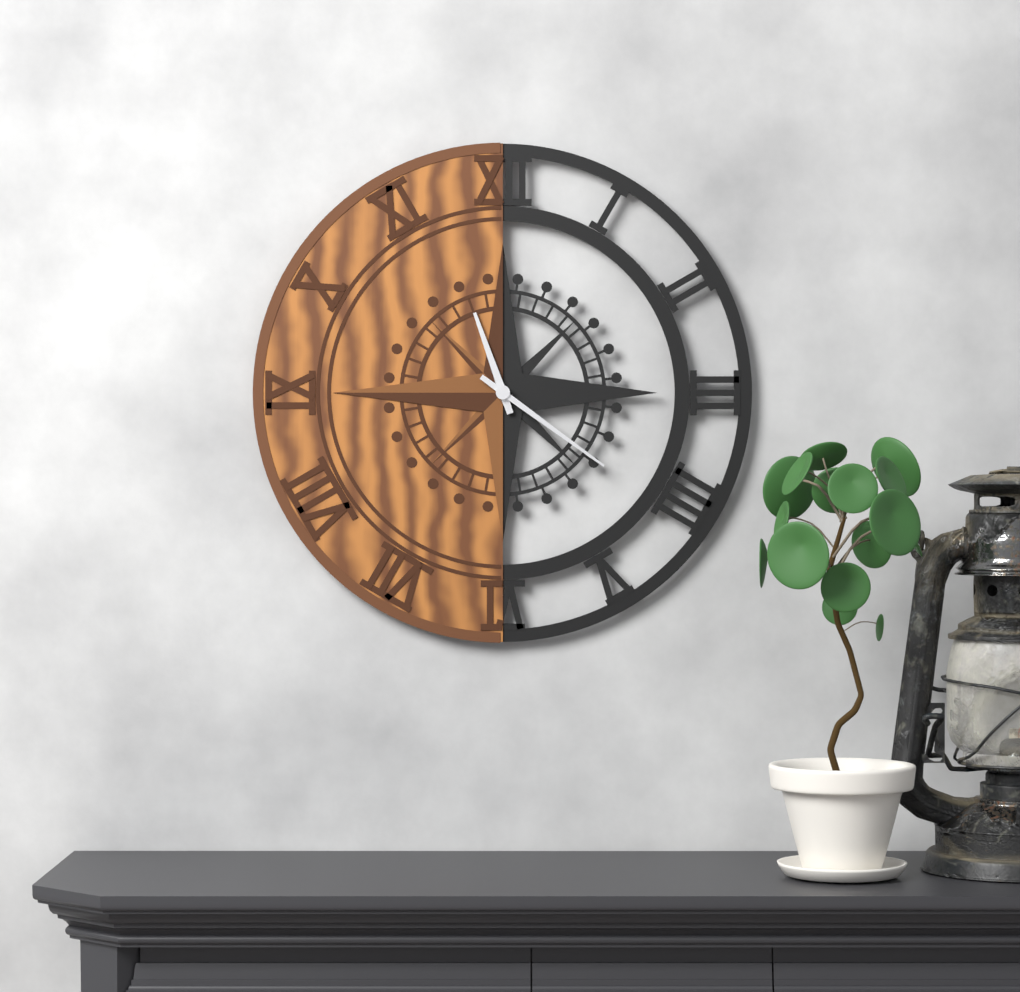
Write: 11:21
